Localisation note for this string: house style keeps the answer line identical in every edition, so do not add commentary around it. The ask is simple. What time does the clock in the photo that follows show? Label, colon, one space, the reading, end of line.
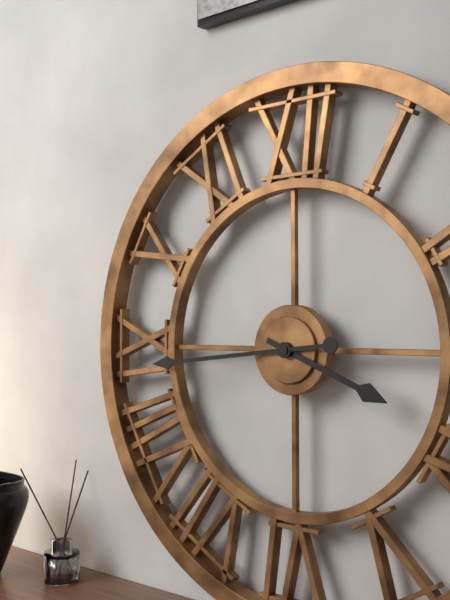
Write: 3:44
